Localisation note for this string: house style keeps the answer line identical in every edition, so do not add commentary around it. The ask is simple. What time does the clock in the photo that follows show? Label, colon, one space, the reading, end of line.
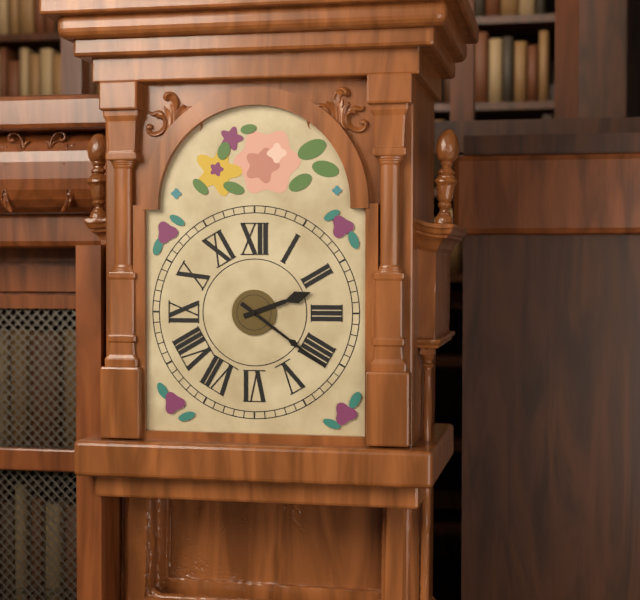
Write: 2:21
